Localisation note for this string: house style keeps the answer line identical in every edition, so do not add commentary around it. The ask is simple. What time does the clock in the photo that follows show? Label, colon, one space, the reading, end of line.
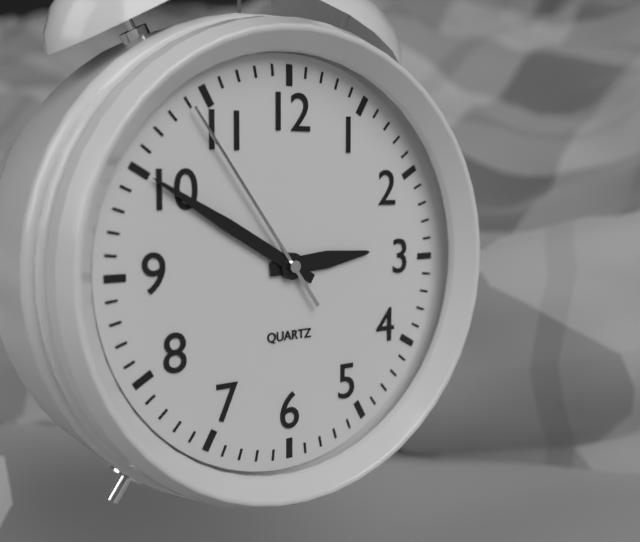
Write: 2:50:54
